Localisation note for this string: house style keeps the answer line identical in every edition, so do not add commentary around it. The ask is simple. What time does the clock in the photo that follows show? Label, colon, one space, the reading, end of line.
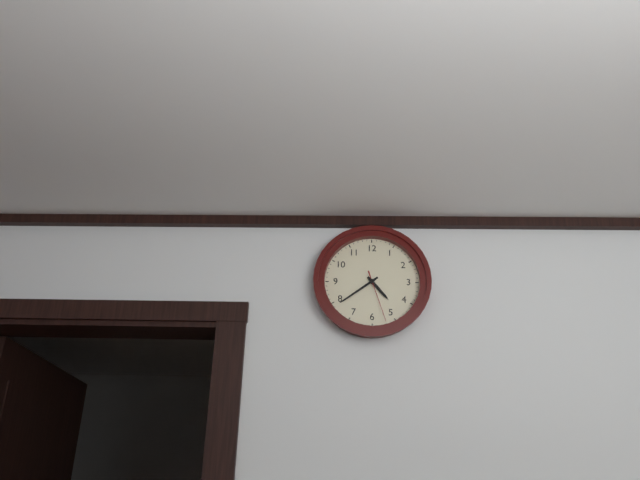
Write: 4:39:27
